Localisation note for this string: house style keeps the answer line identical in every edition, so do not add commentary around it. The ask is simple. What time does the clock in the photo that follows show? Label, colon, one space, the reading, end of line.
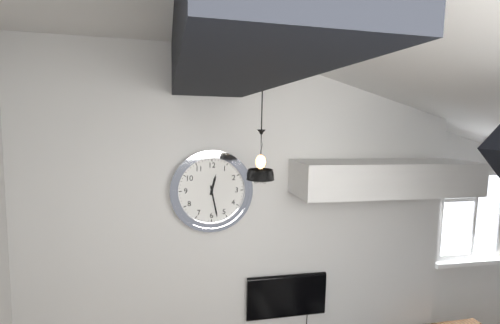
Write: 12:28
